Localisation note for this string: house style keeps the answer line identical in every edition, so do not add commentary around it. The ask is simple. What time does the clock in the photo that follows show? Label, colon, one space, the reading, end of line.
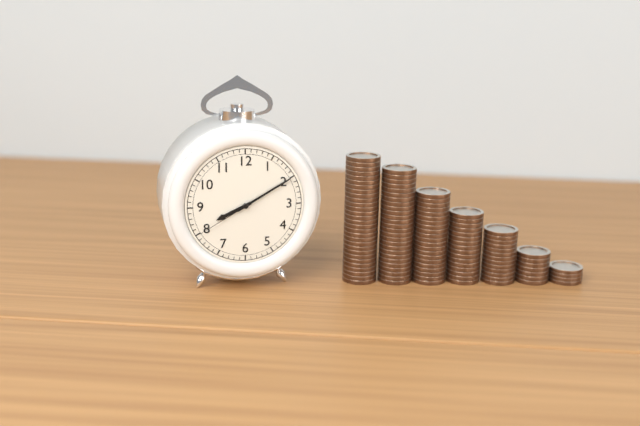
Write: 8:10:40
